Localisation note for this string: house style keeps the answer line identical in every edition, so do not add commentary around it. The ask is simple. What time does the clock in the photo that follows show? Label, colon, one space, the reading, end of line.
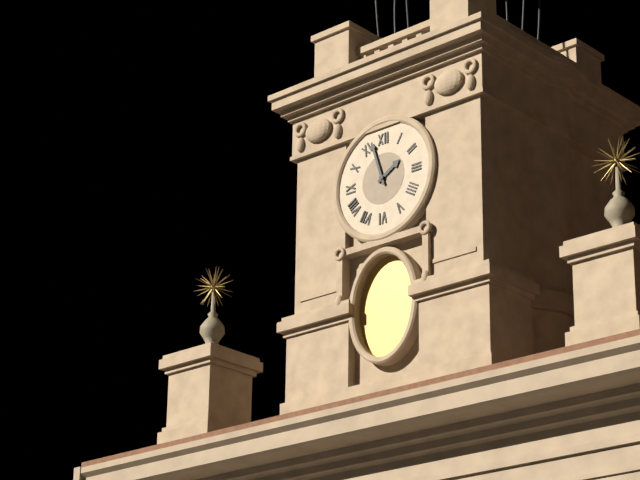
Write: 1:57
